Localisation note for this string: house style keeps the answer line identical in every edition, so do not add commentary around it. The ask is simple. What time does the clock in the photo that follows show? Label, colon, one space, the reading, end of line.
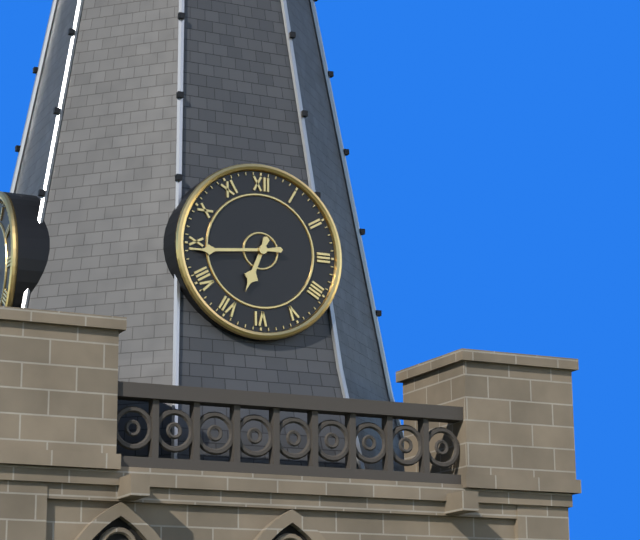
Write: 6:44
